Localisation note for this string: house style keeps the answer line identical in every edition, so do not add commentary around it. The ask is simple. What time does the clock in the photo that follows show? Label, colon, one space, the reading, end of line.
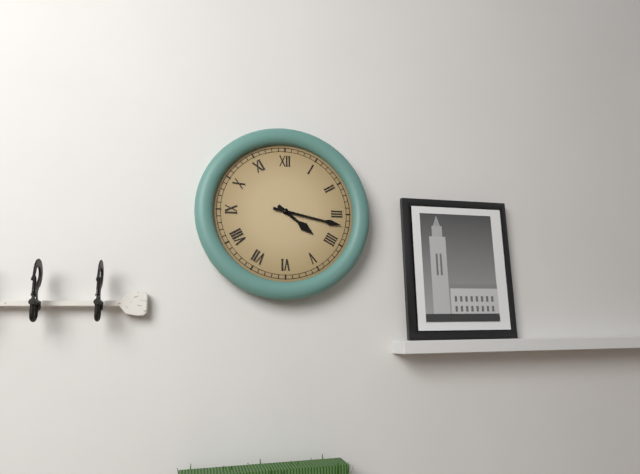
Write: 4:17
